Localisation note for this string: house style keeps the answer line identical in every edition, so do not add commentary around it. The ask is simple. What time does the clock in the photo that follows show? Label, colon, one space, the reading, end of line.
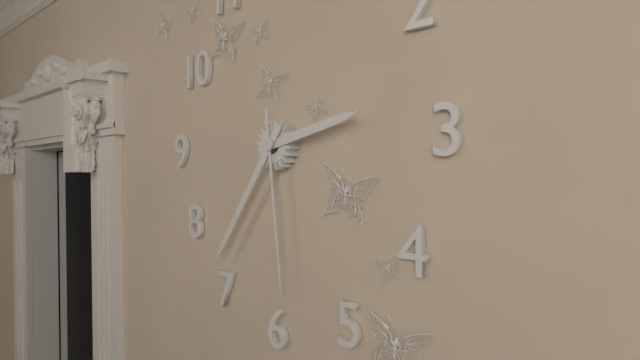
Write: 2:36:29
